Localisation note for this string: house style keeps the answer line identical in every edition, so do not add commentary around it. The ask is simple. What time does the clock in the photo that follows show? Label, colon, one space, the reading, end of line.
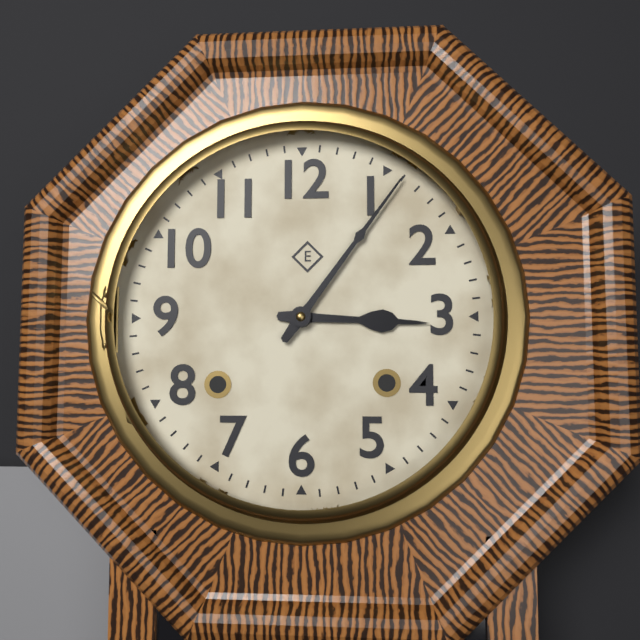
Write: 3:06
